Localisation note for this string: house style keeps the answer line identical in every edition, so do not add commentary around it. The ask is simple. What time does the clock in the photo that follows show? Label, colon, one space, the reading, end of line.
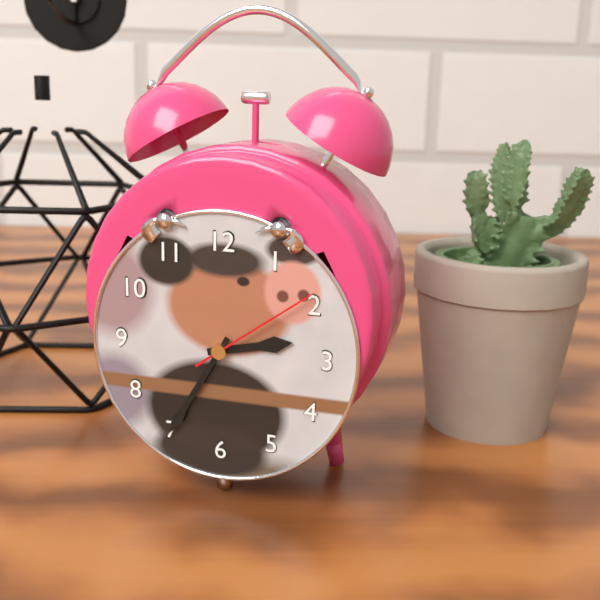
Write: 2:35:09
